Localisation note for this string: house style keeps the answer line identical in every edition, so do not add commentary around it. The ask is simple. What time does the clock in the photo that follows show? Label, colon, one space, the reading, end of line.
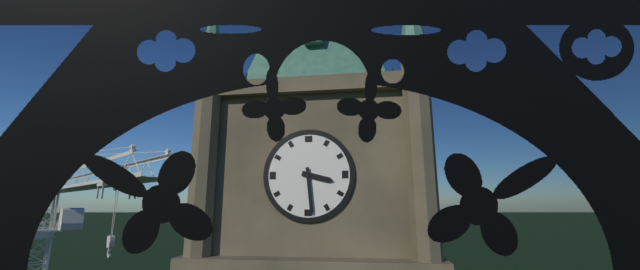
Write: 3:29
